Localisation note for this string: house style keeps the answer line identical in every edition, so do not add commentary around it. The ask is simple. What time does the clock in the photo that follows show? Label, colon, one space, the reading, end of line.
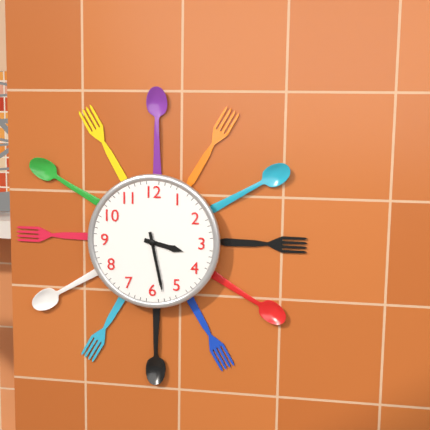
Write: 3:28
